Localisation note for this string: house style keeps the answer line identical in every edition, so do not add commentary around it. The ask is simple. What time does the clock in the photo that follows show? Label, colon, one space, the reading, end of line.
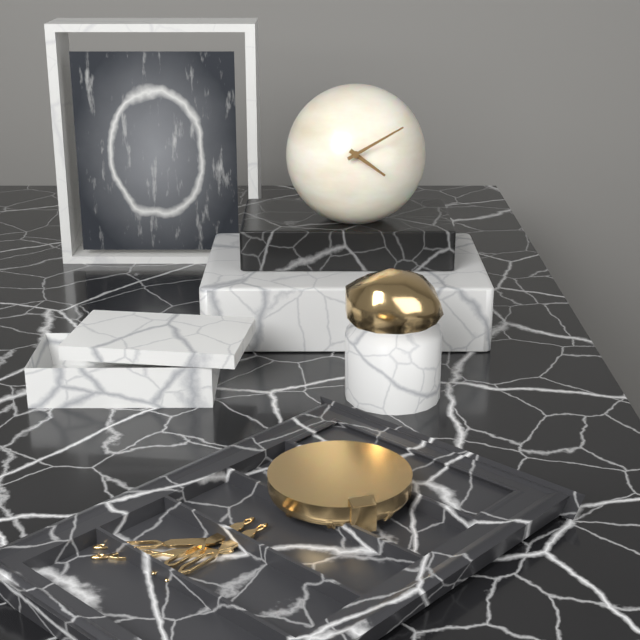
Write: 4:10
